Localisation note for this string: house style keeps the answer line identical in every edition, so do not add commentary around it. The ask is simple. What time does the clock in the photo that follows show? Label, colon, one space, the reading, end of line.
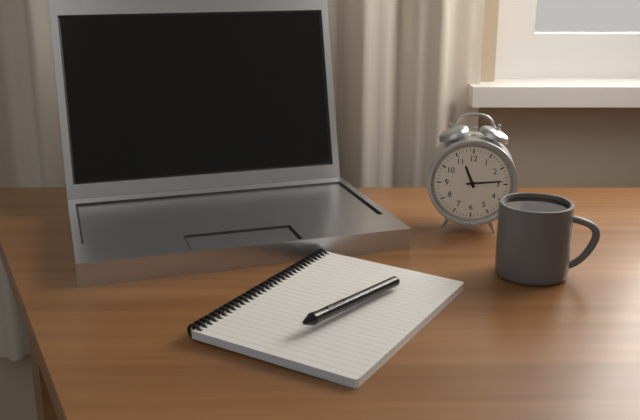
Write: 11:14
